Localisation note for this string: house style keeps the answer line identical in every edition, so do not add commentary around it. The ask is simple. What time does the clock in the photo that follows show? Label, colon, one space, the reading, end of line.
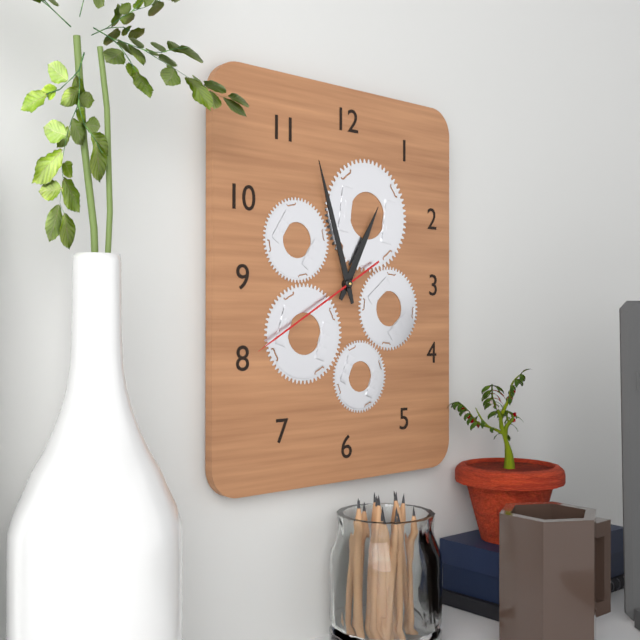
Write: 12:57:40
